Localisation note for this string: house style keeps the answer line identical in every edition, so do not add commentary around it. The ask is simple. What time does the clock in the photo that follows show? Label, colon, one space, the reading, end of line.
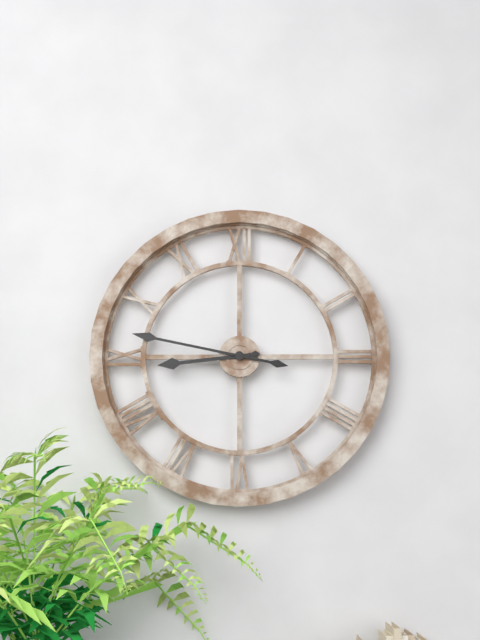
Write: 8:47
